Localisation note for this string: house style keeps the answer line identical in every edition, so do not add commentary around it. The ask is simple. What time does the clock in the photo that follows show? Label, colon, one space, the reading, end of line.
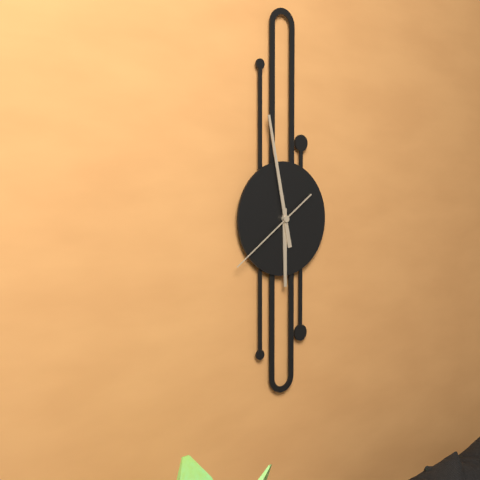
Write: 5:58:39
